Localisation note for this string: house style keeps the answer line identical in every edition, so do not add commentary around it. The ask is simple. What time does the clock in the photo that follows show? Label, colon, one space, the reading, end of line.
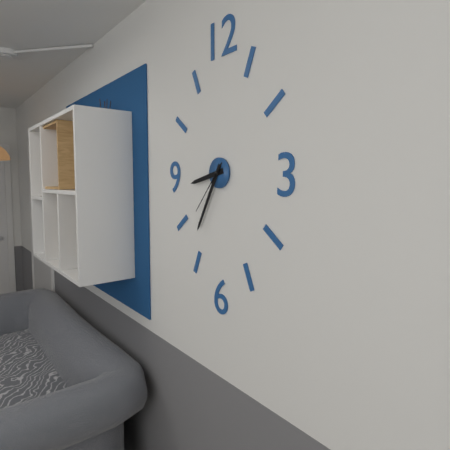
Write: 8:35:37
